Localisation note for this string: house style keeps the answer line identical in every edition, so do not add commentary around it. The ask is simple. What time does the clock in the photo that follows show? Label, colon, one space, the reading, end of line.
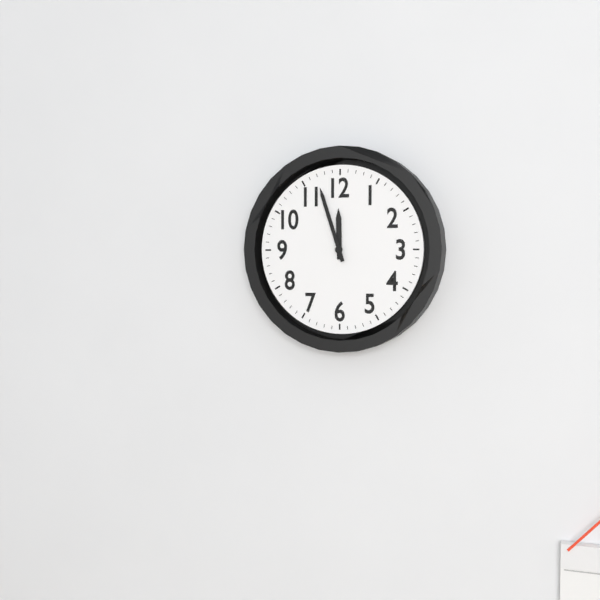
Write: 11:57
